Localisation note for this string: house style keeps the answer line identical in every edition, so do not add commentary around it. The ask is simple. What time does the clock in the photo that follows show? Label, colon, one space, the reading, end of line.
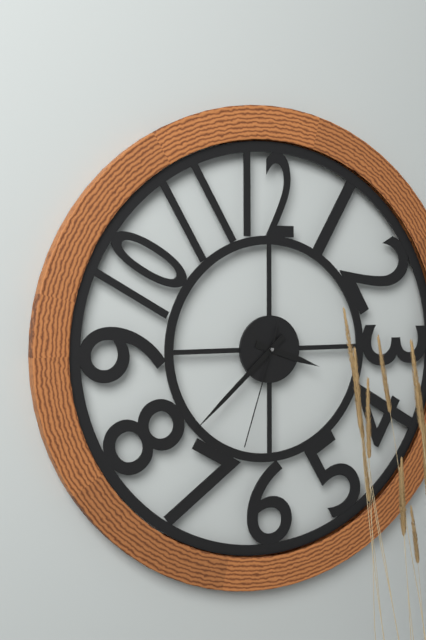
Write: 3:38:33
